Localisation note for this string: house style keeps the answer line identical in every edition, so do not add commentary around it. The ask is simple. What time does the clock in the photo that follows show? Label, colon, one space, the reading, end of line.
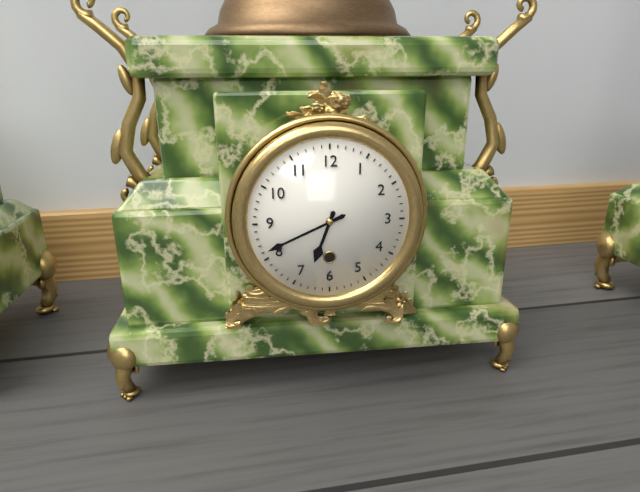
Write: 6:41
